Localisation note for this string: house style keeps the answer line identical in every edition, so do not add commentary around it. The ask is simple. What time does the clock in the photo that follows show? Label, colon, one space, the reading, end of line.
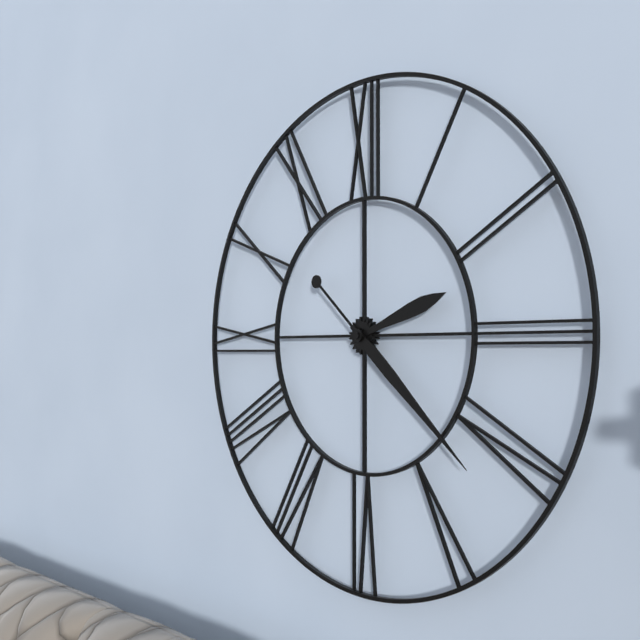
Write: 2:22
